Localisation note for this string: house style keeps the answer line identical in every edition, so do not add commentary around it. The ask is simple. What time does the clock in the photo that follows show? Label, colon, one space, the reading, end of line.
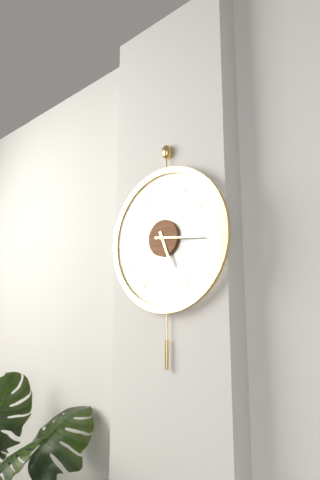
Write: 5:16
